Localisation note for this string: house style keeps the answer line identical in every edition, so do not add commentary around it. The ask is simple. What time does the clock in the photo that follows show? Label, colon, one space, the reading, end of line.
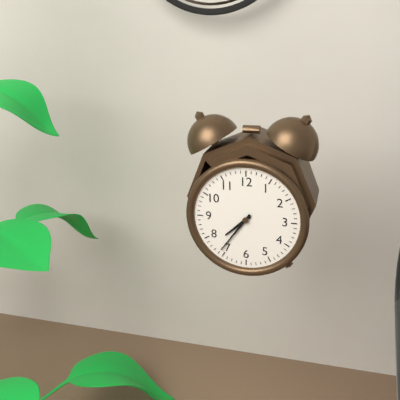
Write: 7:36
